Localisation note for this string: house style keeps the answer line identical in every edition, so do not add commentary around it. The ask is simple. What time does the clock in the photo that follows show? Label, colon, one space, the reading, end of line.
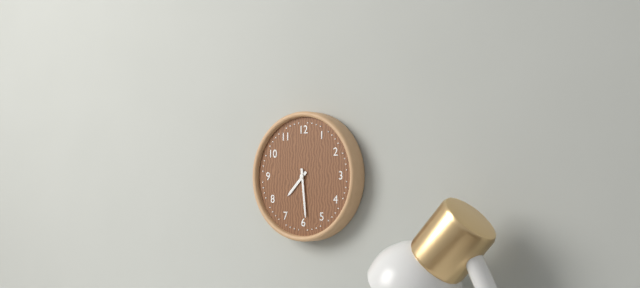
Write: 7:29
